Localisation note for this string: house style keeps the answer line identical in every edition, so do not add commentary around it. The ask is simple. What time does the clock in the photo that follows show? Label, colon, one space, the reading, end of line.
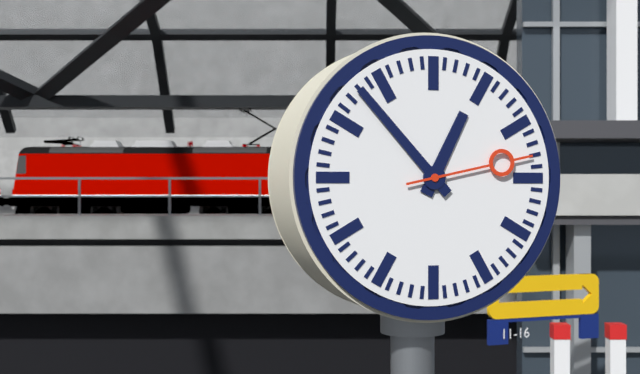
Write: 12:53:13
